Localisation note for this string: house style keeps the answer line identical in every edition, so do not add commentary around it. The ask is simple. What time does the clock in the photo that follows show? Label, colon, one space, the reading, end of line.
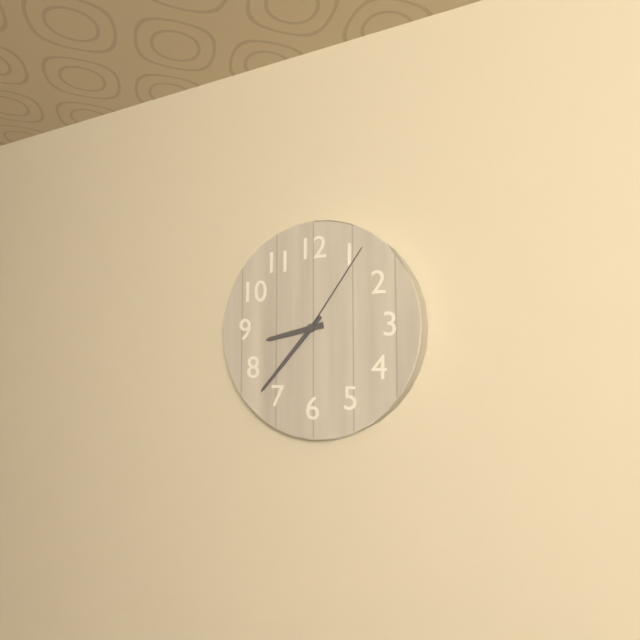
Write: 8:37:06
